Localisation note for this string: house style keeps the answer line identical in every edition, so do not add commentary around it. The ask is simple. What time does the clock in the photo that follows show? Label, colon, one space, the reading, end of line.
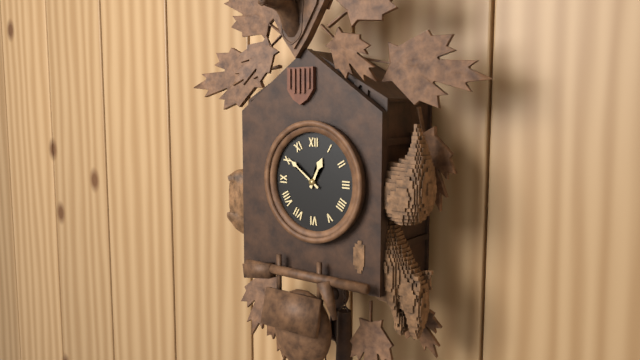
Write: 12:51
